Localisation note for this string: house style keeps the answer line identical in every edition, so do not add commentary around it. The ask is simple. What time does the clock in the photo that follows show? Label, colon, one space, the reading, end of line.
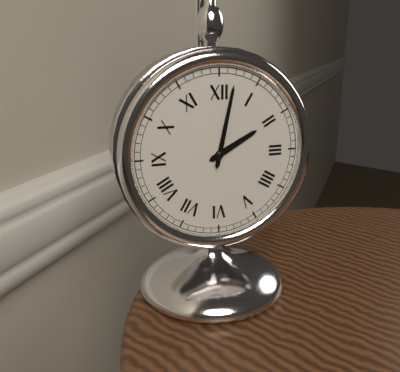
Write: 2:02
